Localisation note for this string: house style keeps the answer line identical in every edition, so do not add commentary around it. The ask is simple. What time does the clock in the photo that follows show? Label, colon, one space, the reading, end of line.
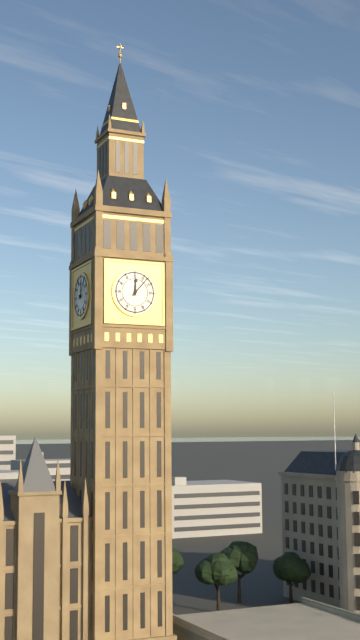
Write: 12:07
